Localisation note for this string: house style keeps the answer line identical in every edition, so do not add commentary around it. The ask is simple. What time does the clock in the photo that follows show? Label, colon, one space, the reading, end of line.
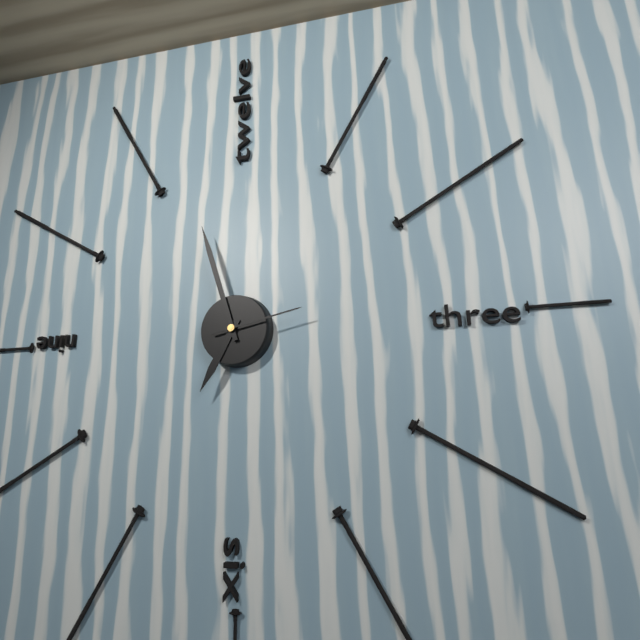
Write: 6:57:13
